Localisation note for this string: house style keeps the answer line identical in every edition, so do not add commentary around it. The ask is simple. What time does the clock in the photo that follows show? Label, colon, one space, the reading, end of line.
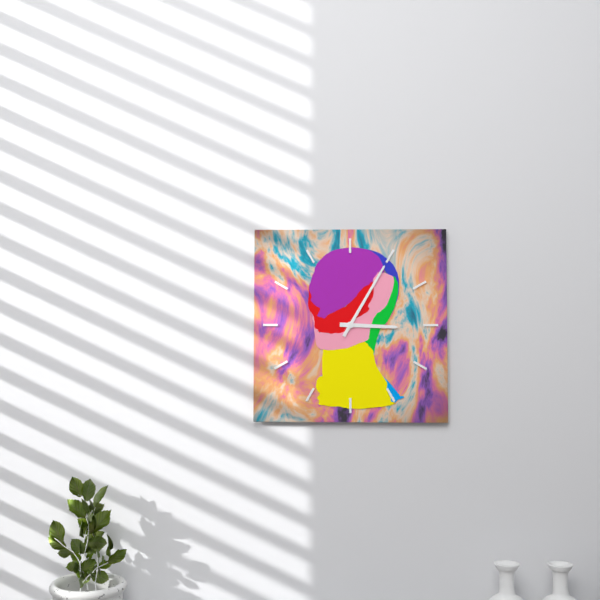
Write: 3:05
